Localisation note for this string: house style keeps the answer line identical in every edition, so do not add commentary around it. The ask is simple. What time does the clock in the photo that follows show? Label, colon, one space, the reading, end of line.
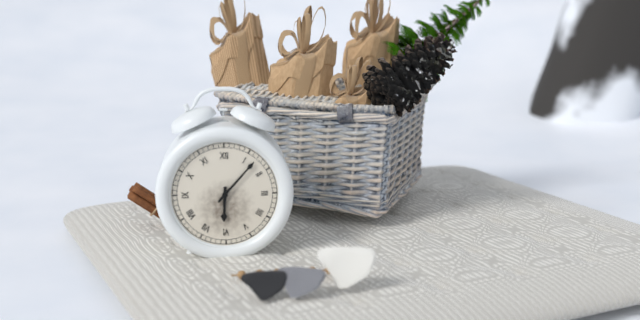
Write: 6:07
